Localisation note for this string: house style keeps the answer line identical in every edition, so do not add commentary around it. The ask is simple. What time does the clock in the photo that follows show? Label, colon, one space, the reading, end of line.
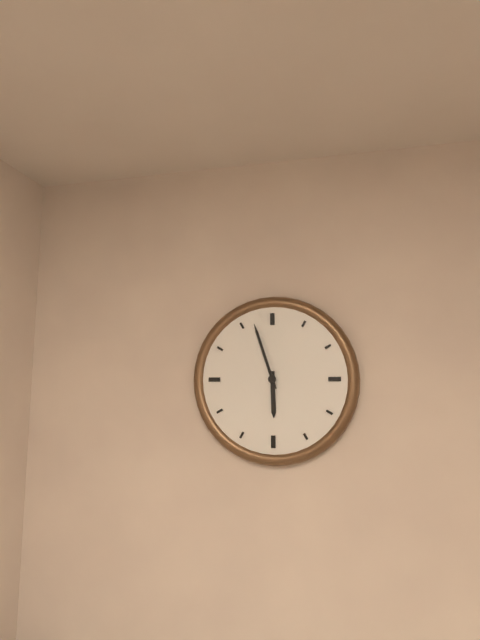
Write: 5:57
